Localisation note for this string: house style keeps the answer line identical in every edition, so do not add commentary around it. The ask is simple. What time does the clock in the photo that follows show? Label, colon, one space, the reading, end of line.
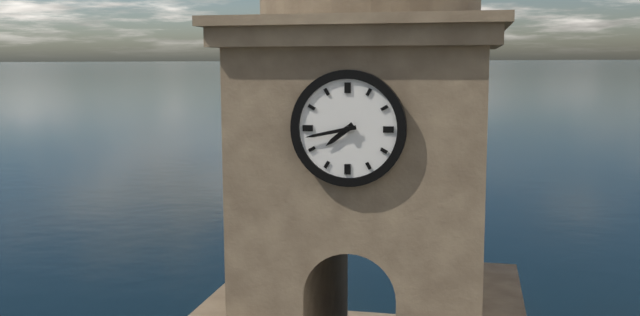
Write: 7:43
